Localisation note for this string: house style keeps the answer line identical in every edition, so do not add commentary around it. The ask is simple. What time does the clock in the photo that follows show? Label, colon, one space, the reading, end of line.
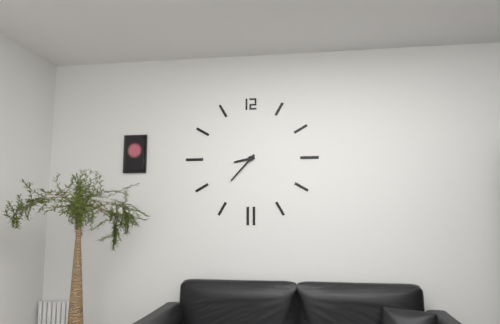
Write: 8:37
